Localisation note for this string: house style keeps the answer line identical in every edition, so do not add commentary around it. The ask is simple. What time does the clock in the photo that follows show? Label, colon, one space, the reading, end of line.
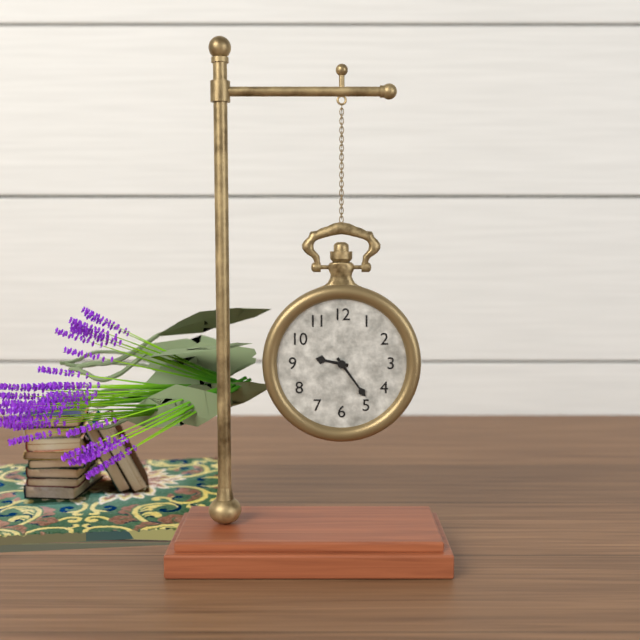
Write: 9:24
